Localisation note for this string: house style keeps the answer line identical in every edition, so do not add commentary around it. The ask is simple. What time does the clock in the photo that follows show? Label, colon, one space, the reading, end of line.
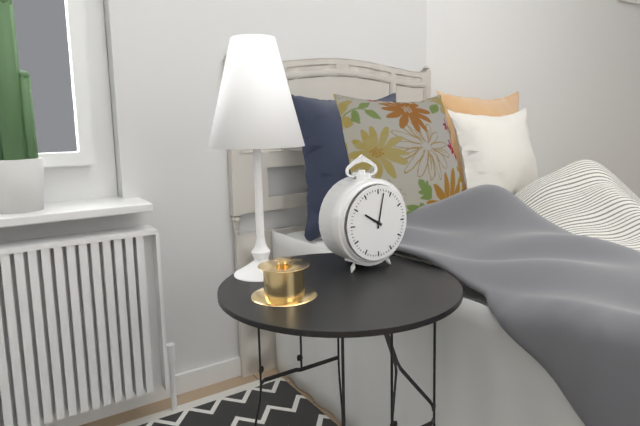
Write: 10:02
